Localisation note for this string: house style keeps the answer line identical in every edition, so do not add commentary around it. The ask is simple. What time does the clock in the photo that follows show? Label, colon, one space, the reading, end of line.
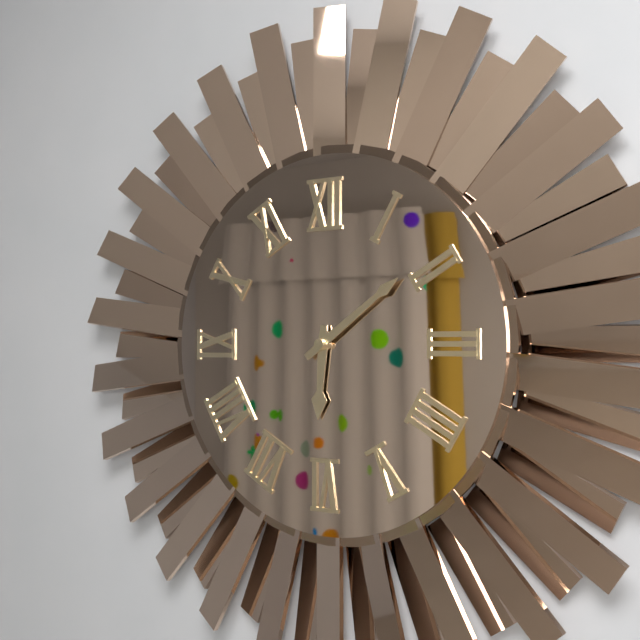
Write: 6:09
